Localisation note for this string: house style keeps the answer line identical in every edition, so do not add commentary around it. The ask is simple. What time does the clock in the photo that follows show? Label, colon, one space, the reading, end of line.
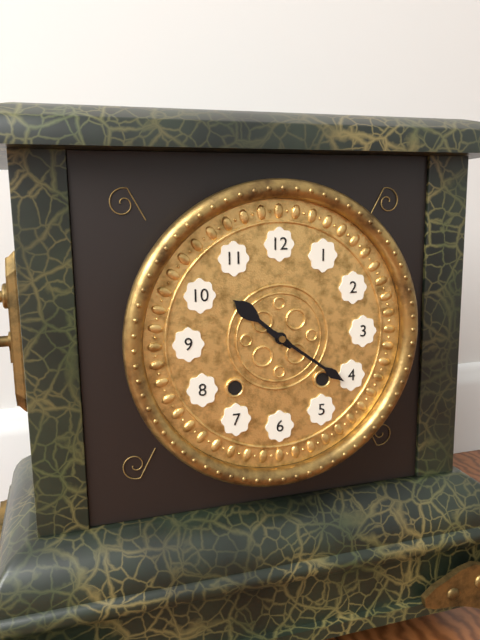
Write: 10:21
